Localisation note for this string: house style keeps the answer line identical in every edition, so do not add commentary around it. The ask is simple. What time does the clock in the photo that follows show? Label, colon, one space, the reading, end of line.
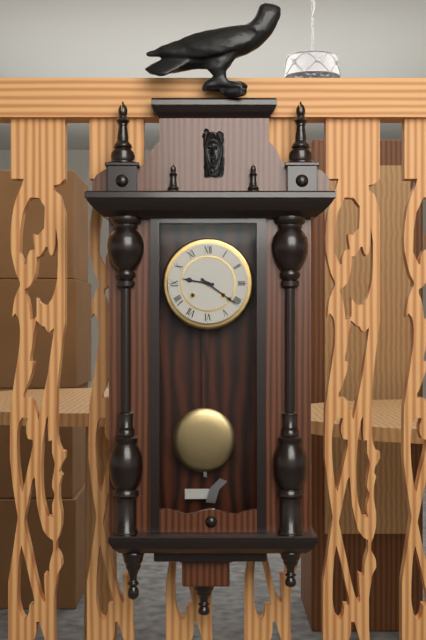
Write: 9:21
